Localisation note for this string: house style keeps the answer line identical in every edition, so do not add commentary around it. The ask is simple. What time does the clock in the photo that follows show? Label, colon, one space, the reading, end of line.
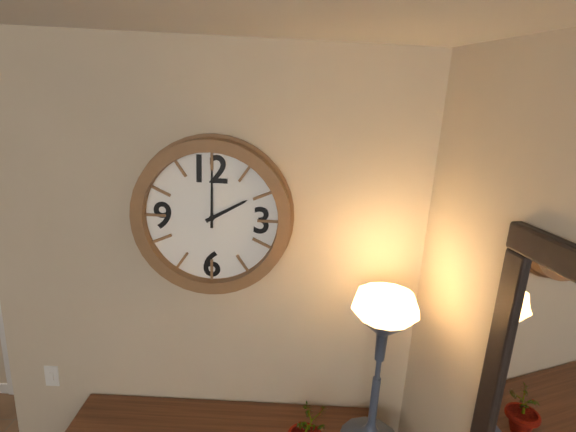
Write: 2:00
